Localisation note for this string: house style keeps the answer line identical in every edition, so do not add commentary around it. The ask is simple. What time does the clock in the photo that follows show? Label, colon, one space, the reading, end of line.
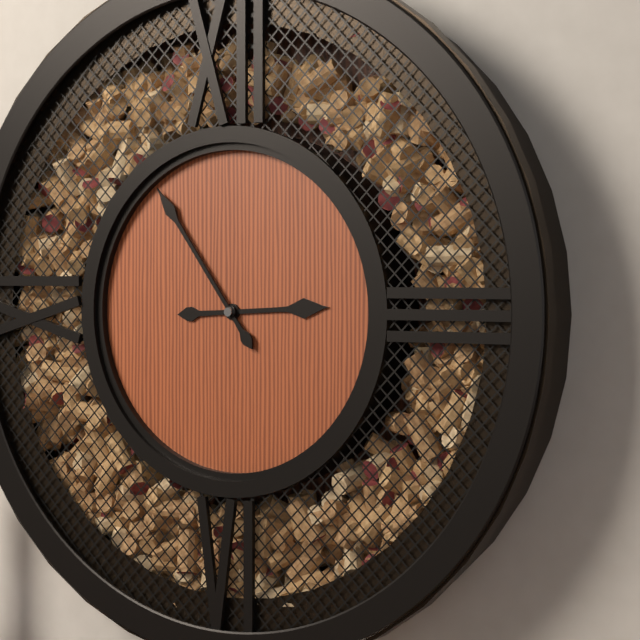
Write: 2:54
